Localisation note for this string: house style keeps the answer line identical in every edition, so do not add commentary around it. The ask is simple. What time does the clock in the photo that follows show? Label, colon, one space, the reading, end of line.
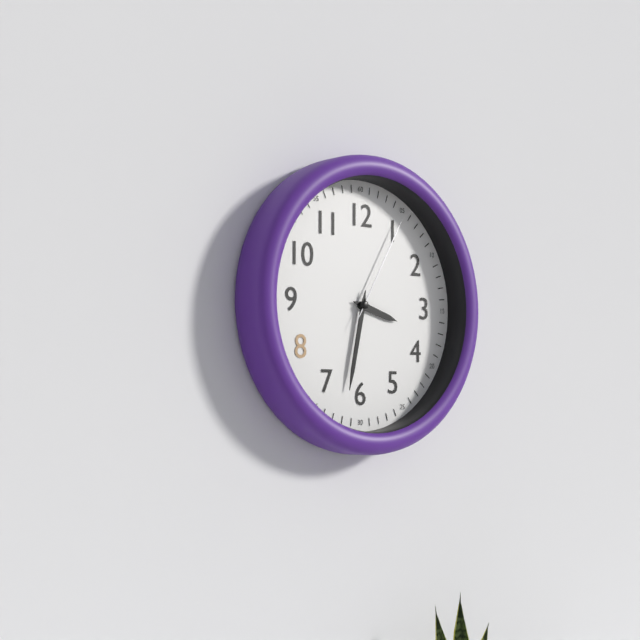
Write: 3:32:05
